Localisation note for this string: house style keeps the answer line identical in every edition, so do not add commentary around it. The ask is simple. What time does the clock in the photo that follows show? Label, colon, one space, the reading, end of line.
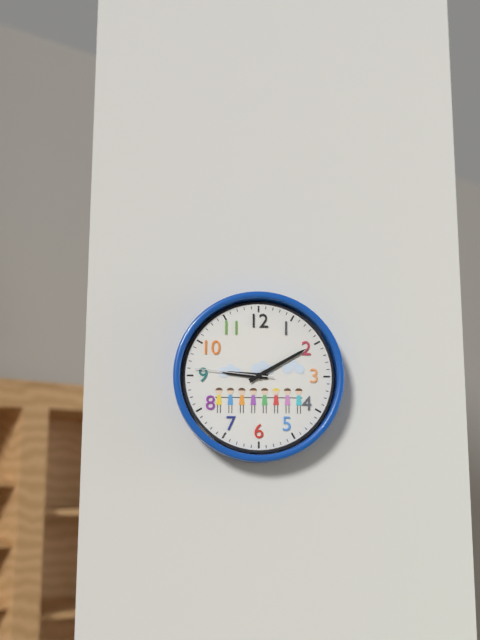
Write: 9:10:46
